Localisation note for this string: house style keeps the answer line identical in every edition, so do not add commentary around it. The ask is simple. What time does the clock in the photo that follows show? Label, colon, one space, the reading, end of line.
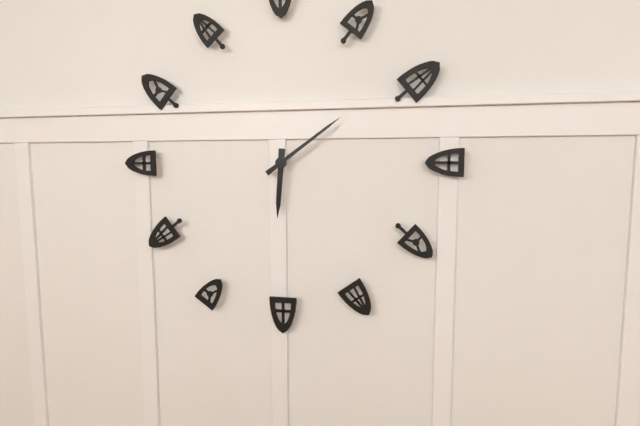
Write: 6:09
